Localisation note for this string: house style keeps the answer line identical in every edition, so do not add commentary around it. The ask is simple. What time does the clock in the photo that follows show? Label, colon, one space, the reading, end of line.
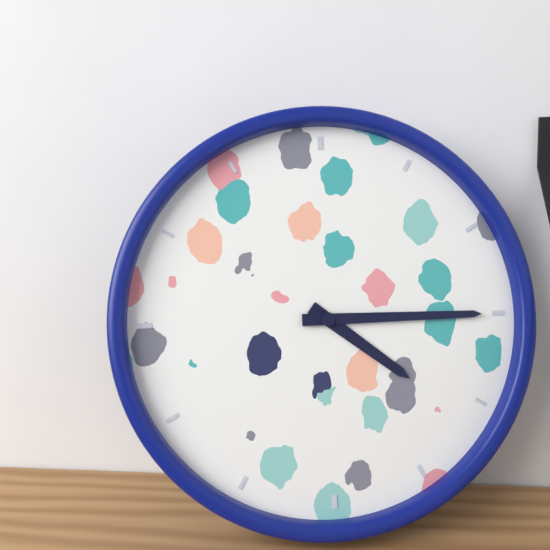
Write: 4:15
